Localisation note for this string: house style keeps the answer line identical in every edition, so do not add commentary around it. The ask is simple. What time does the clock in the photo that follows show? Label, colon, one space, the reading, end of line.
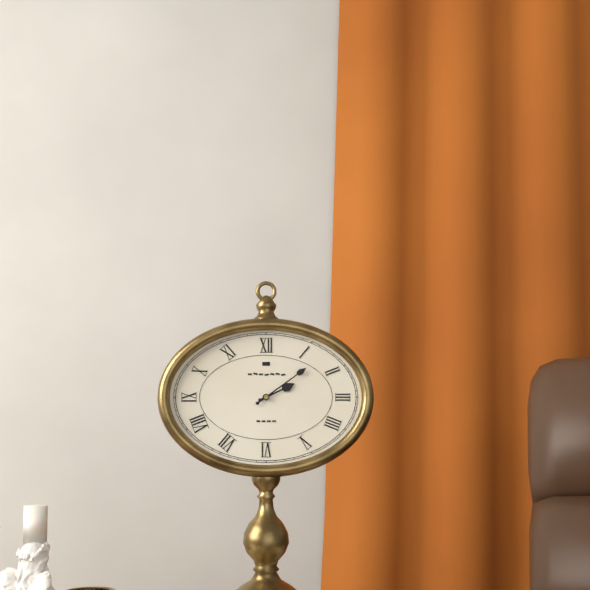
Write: 2:09
